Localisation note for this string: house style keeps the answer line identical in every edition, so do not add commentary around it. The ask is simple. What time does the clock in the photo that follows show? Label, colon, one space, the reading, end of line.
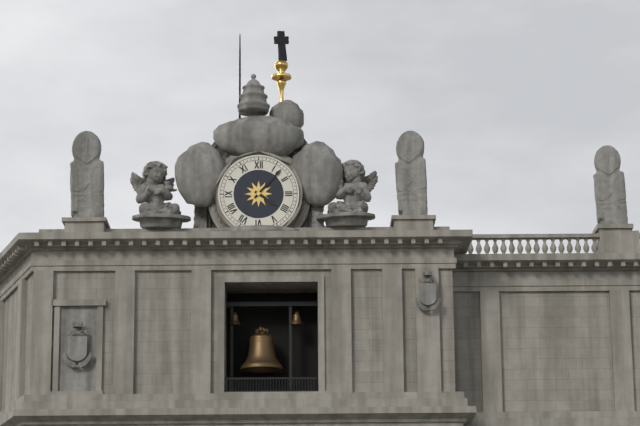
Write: 4:07
